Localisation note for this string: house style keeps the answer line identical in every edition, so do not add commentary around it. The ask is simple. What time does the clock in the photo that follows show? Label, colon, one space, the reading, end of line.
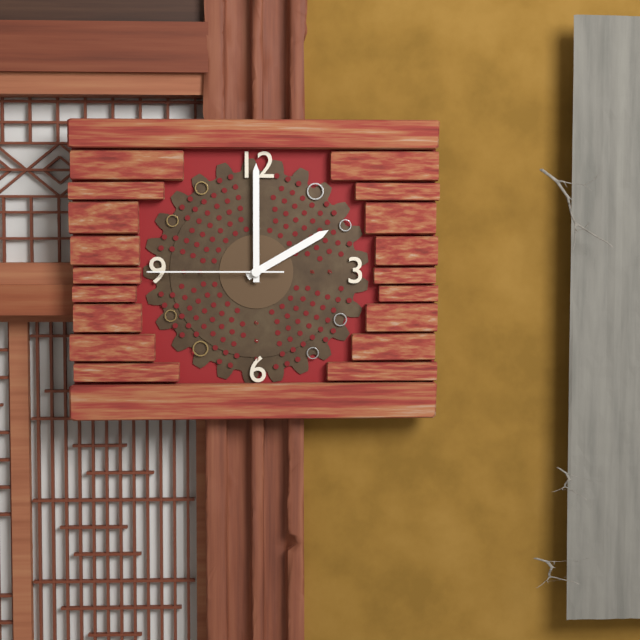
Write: 2:00:45
